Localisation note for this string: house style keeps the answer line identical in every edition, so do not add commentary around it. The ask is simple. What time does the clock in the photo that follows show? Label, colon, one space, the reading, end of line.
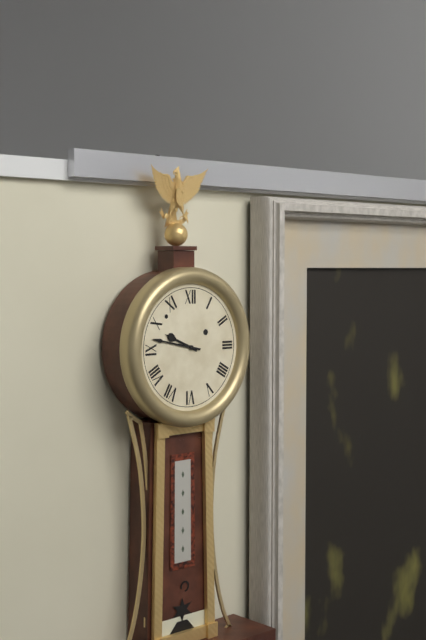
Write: 9:47
